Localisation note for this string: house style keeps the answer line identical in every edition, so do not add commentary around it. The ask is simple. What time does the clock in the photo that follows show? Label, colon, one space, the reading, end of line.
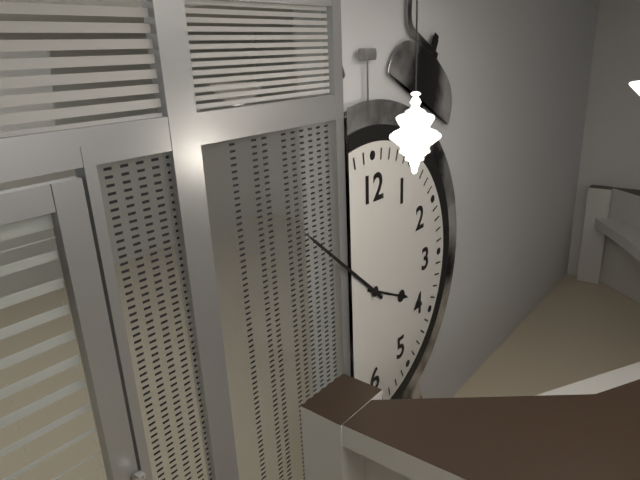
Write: 3:52
